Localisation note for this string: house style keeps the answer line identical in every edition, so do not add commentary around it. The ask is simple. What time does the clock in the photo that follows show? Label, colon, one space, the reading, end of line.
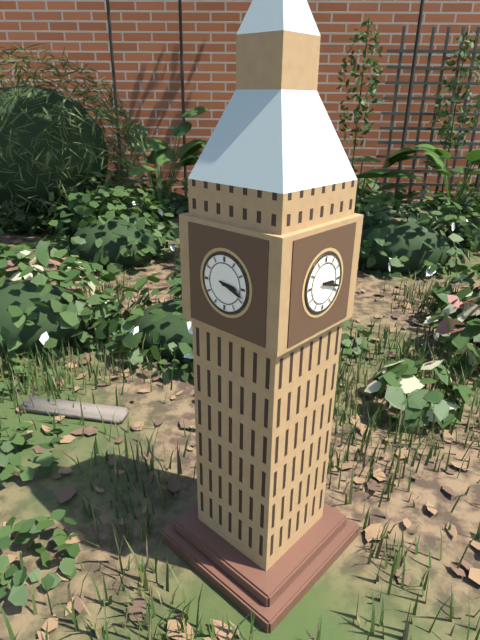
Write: 3:18
